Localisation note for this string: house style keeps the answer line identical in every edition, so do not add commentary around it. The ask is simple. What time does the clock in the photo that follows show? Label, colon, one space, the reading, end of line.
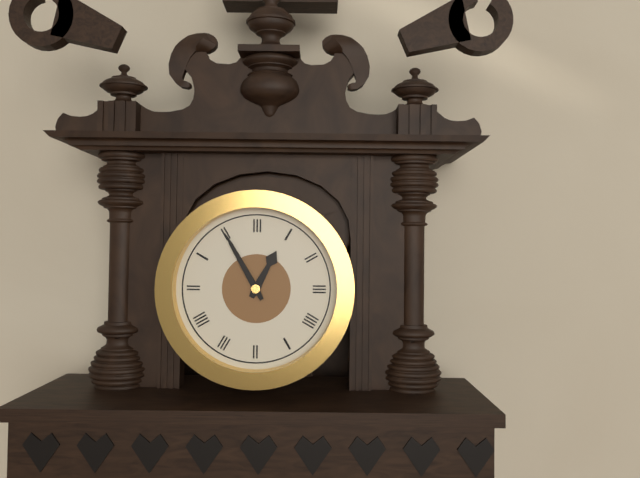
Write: 12:55
